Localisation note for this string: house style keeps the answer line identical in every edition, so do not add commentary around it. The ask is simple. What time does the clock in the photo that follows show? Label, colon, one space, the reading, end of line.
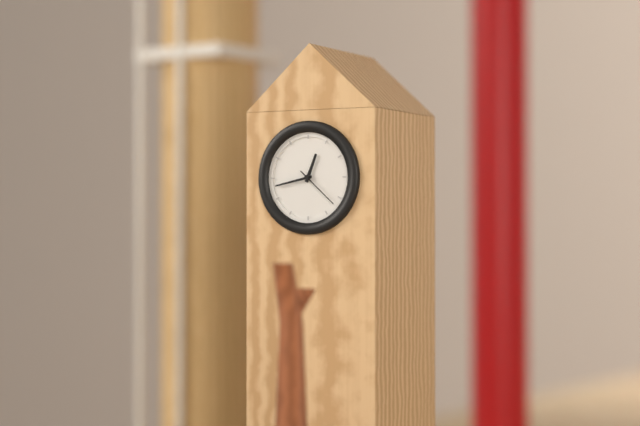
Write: 12:43
